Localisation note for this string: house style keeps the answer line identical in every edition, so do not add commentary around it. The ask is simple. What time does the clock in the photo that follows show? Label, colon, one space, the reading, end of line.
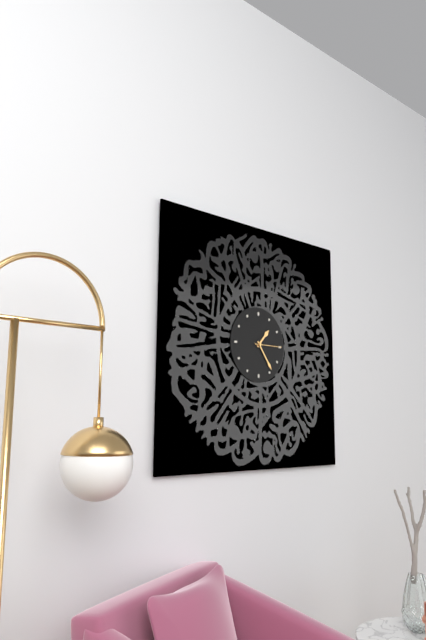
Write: 1:24
